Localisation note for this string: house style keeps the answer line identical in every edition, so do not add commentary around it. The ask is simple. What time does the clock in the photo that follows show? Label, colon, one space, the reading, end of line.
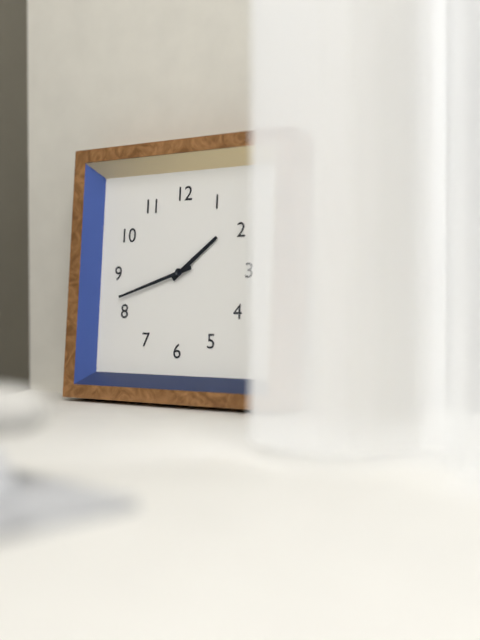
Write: 1:42
